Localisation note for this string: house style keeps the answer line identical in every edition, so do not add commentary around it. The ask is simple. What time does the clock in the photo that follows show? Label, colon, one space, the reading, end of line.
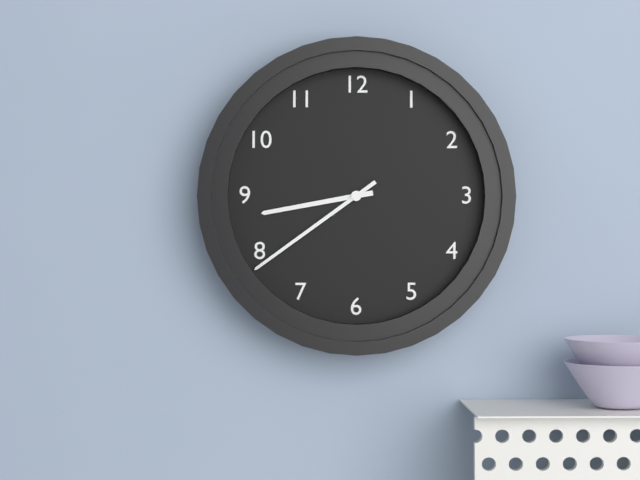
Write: 8:39
